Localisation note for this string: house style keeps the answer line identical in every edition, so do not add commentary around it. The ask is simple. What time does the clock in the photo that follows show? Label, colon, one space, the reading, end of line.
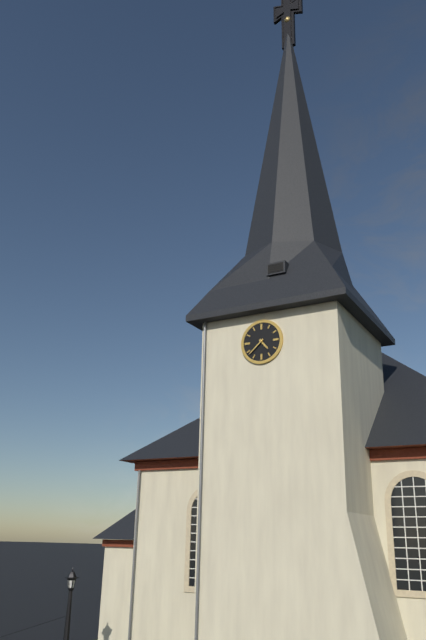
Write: 4:38
